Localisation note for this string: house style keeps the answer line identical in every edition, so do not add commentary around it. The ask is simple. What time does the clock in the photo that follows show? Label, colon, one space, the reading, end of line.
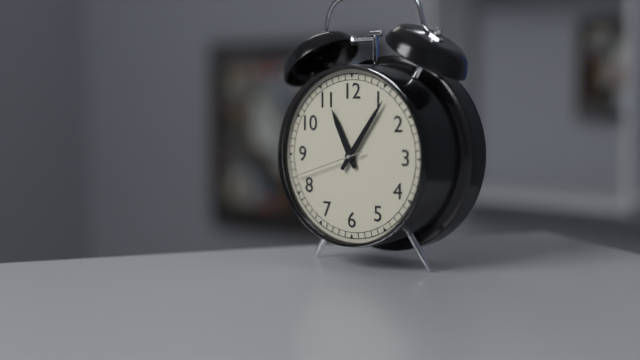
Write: 11:06:42
